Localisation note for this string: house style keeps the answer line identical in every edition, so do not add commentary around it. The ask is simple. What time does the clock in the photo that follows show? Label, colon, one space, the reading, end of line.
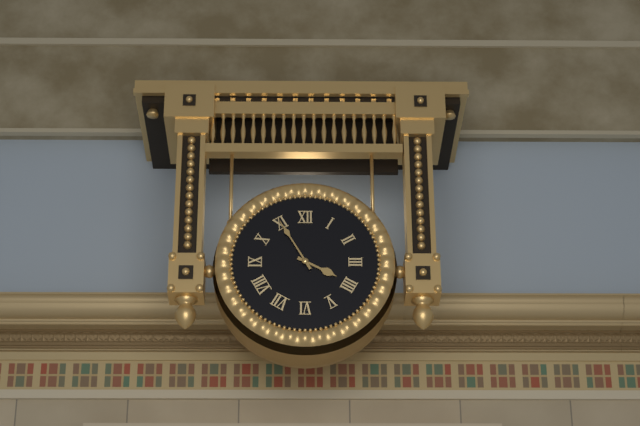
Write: 3:55
